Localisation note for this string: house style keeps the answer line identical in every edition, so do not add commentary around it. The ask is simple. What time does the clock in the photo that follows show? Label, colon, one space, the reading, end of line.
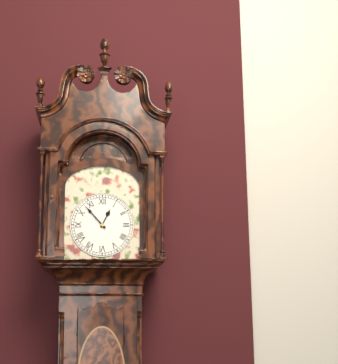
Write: 12:53
